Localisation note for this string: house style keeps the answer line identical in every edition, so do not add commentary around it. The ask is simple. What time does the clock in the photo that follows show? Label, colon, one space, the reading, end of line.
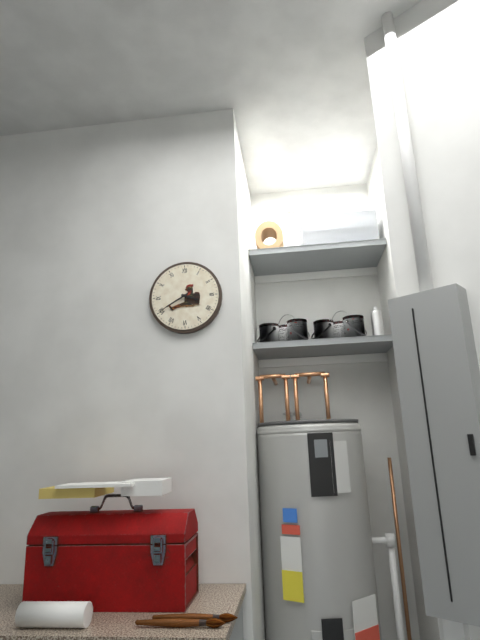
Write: 3:40
